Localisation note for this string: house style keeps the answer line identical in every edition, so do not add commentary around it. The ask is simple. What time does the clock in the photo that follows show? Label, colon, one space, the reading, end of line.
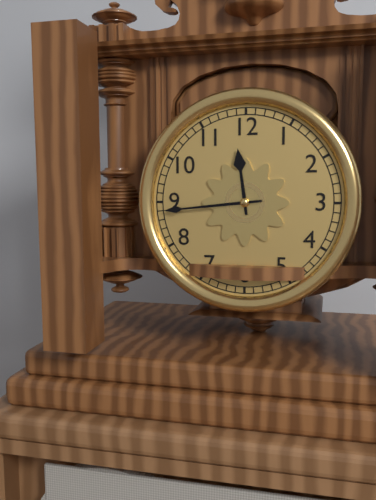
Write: 11:44
